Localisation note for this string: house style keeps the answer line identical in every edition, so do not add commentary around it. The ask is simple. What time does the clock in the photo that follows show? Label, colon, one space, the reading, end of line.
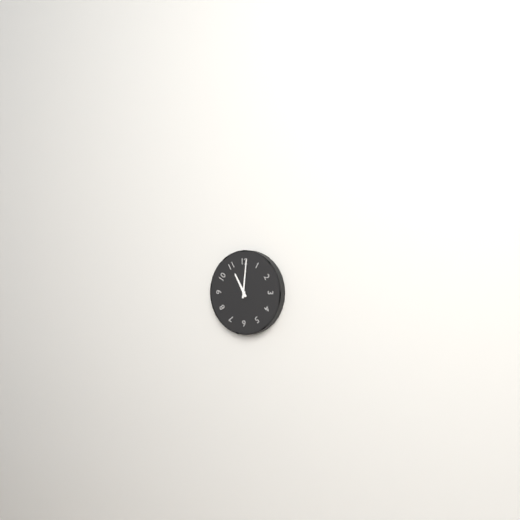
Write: 11:01
